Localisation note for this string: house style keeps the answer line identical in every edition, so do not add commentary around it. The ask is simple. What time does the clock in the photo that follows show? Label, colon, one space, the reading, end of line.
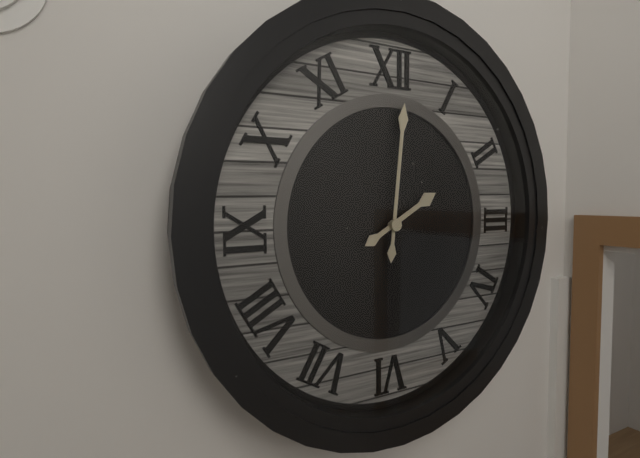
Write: 2:01
